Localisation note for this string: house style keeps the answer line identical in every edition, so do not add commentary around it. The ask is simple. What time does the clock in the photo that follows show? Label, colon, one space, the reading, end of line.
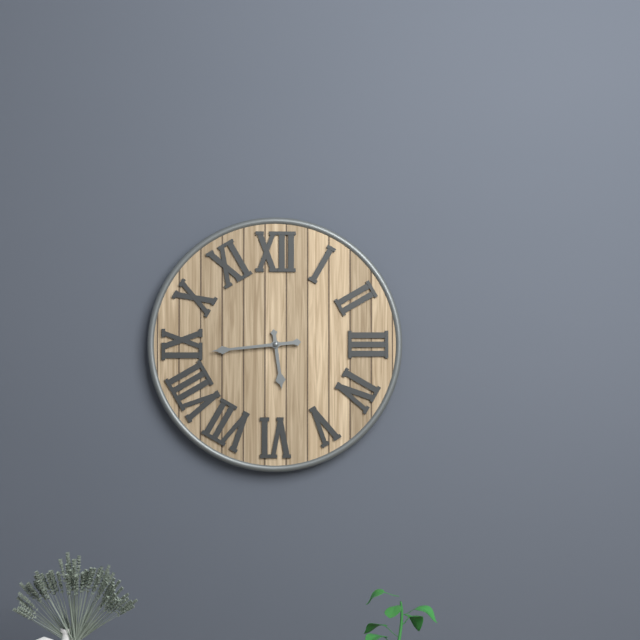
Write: 5:44
